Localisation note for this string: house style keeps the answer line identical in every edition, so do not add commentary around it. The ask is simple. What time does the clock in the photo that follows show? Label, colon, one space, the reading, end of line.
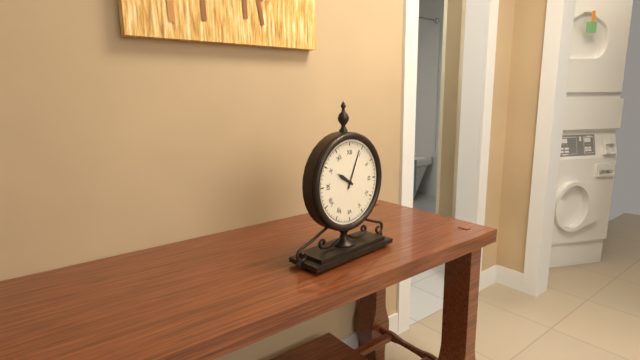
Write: 10:04
